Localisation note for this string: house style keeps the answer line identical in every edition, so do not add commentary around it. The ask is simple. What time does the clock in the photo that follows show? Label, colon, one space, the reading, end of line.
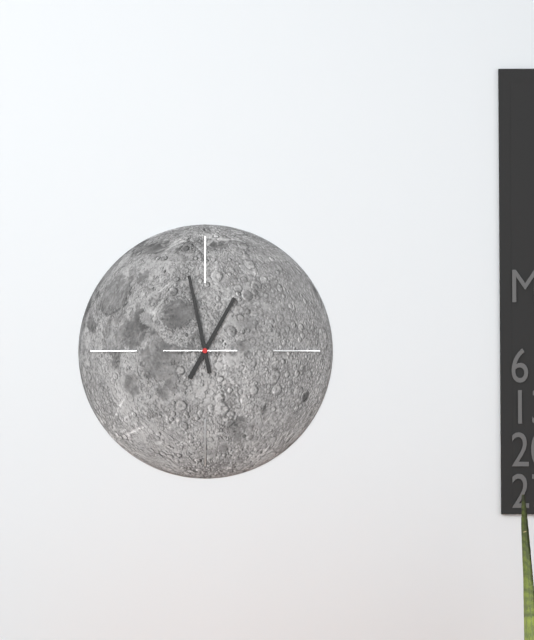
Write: 12:58:45
